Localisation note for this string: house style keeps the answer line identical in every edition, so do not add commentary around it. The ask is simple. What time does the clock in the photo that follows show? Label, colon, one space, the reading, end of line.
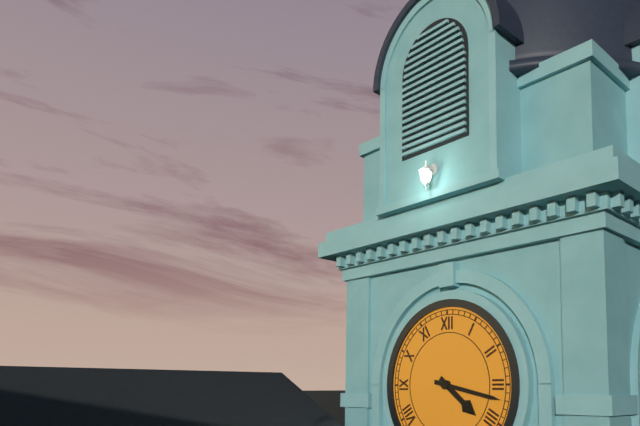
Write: 4:17
